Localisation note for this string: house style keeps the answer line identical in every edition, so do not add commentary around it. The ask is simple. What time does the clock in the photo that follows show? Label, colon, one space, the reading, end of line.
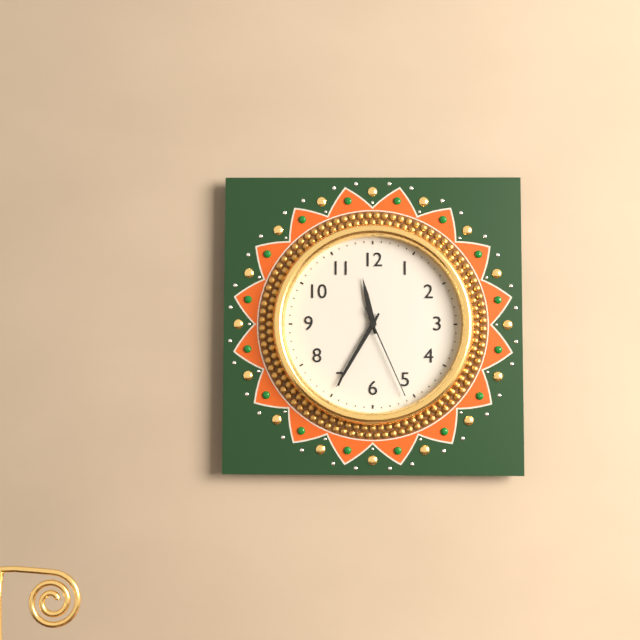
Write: 11:35:26
